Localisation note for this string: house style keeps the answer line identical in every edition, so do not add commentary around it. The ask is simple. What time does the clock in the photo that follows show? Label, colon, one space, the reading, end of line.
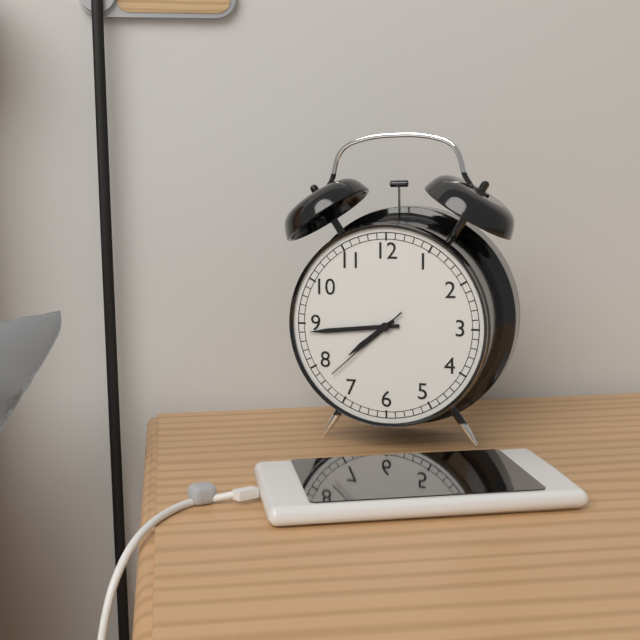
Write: 7:44:38
